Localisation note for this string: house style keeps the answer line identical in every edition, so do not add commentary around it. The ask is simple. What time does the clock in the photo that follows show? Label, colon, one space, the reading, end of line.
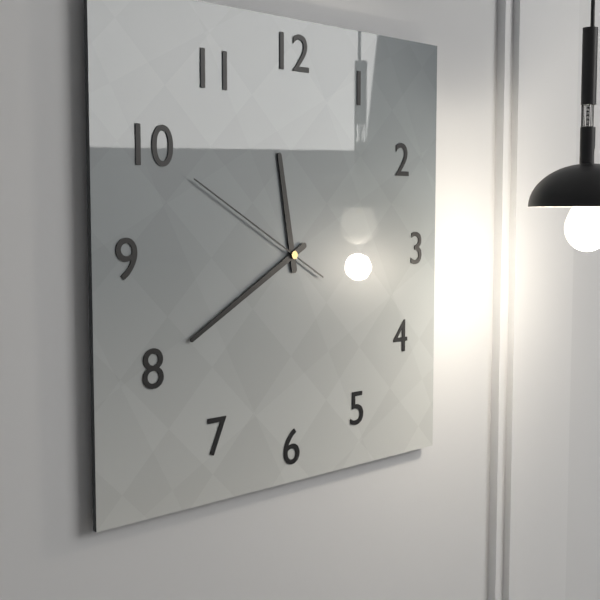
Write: 11:40:50
